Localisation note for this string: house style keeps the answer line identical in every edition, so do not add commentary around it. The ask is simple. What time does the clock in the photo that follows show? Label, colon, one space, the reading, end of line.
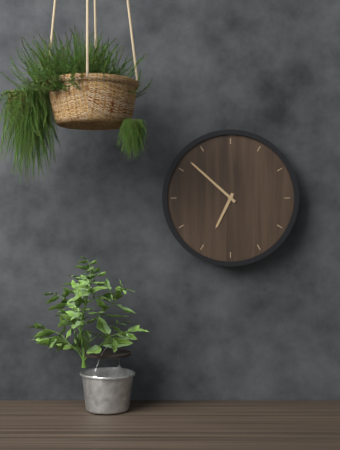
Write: 6:52
